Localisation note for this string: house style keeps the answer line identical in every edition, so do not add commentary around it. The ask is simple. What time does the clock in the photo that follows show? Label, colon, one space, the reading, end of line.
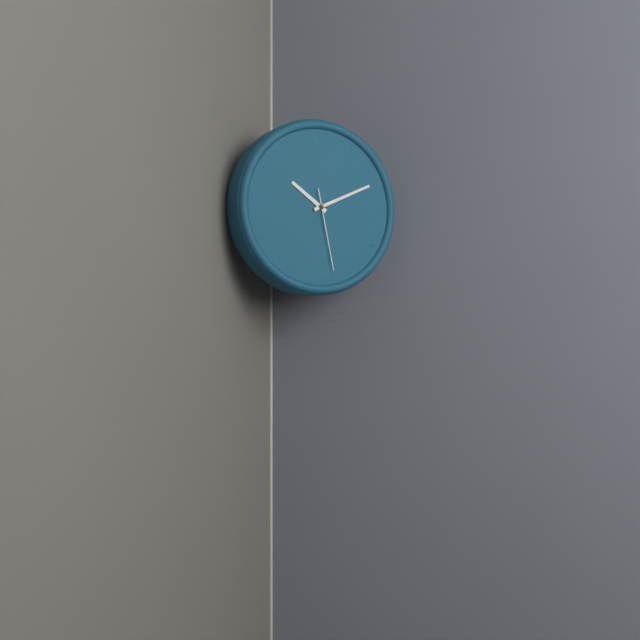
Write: 10:11:28
